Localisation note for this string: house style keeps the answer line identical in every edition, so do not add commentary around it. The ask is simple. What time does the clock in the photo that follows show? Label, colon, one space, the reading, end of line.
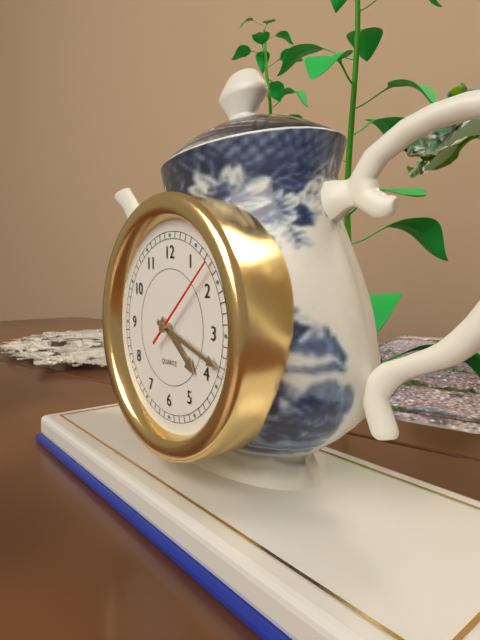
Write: 4:18:08
